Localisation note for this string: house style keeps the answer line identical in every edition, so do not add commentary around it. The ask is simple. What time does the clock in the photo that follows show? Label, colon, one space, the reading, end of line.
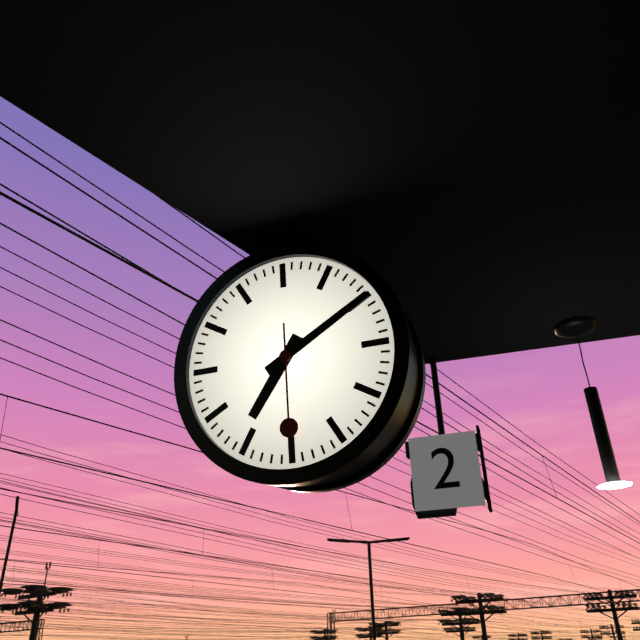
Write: 7:10:30
